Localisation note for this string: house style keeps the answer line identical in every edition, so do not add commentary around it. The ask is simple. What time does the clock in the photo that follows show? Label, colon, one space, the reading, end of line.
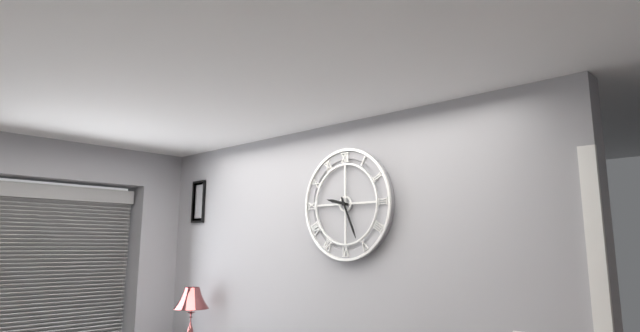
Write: 9:26
